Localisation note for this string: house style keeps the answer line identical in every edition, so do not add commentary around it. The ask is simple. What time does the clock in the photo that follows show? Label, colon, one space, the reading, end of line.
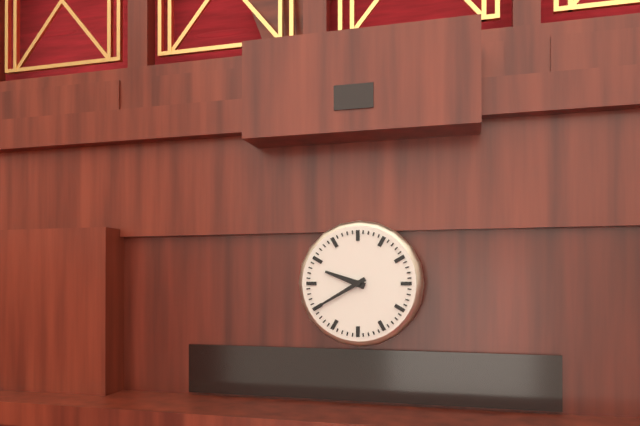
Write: 9:40
